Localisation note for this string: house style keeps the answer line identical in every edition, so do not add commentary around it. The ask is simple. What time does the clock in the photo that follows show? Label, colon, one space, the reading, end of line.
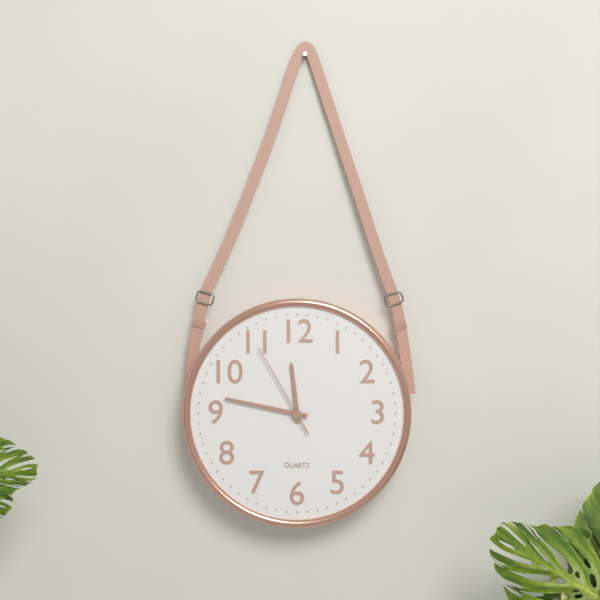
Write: 11:47:55
